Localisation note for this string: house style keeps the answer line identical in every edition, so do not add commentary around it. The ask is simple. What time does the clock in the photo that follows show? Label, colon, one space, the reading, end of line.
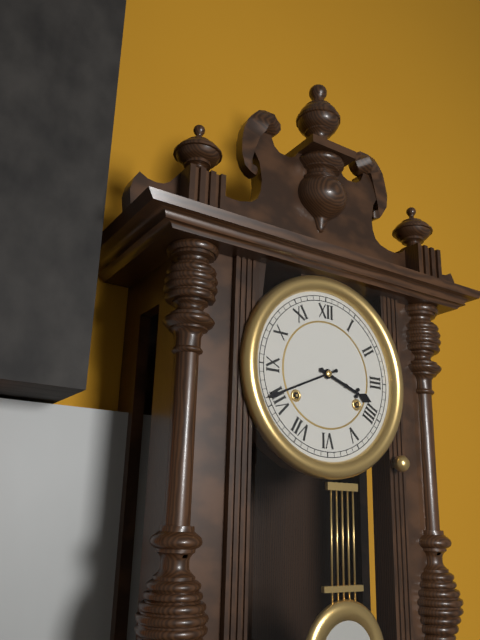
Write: 3:41
